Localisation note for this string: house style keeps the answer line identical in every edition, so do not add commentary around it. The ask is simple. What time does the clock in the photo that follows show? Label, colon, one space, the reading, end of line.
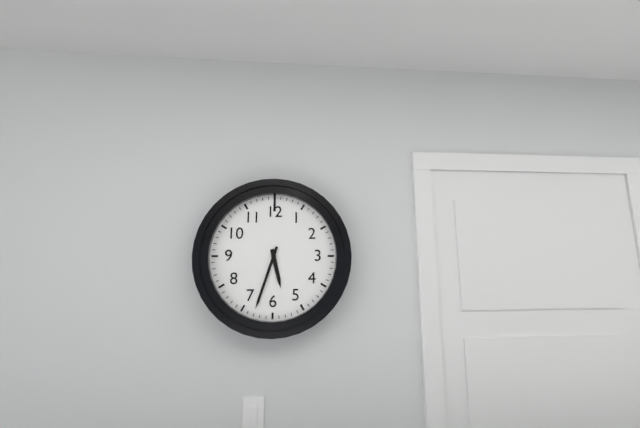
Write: 5:33
